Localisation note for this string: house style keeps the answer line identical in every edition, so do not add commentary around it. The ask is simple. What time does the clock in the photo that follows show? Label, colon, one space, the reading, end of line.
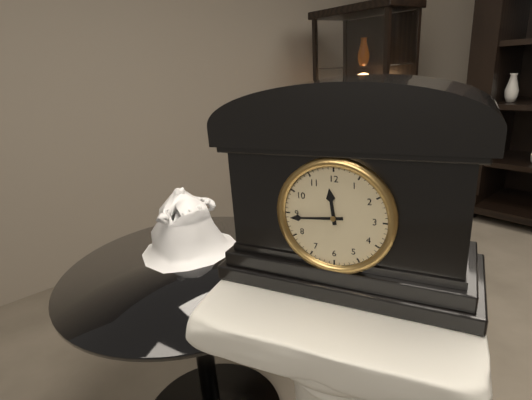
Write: 11:44
